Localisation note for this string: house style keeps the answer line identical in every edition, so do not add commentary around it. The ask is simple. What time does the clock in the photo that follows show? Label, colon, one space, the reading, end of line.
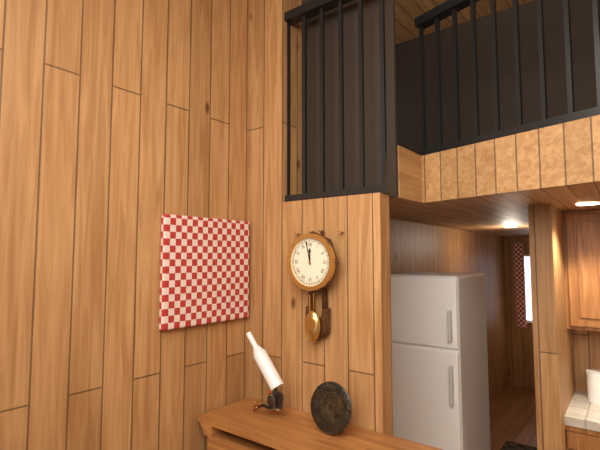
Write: 11:58
